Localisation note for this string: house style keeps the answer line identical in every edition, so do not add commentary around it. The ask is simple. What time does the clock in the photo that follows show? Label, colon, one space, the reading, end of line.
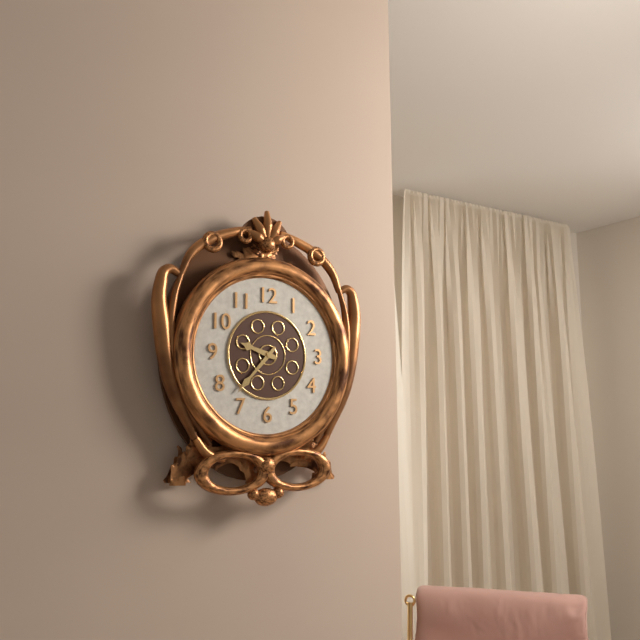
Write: 9:37
